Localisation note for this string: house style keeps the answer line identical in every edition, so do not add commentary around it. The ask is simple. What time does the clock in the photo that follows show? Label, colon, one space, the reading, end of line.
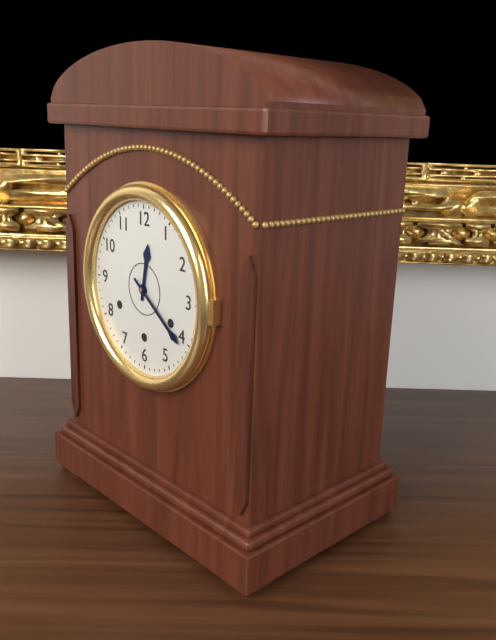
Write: 12:21
